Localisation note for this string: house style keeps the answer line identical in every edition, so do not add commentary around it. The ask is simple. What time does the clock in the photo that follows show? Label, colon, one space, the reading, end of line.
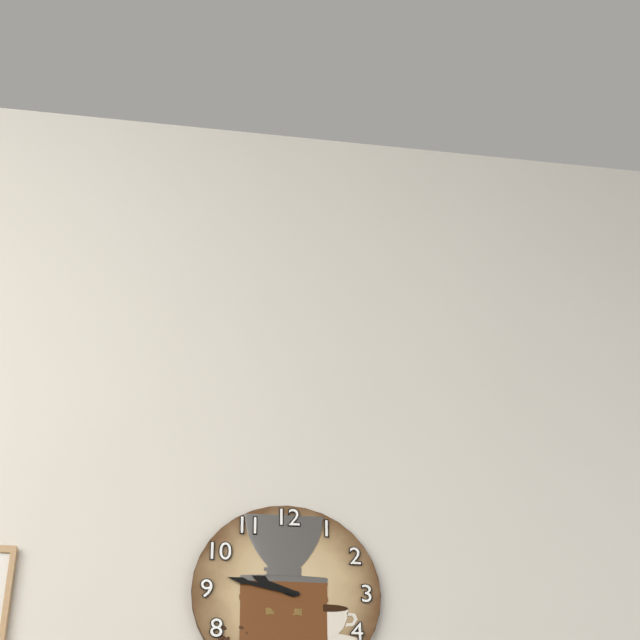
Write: 9:47
